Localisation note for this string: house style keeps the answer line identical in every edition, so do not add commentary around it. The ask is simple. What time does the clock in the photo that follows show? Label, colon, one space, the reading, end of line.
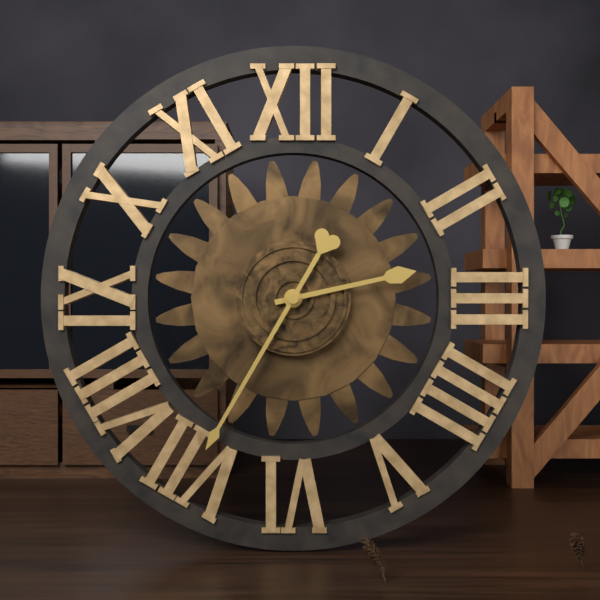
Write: 2:35
